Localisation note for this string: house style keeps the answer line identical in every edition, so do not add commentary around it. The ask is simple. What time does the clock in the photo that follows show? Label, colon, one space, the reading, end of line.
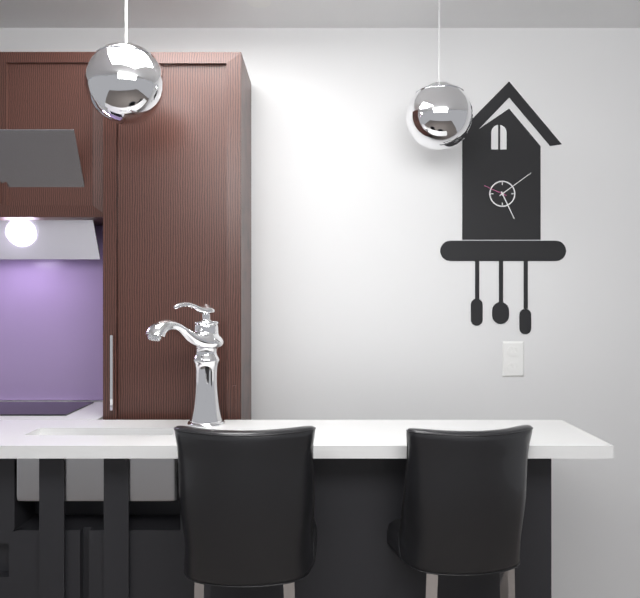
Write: 5:09
